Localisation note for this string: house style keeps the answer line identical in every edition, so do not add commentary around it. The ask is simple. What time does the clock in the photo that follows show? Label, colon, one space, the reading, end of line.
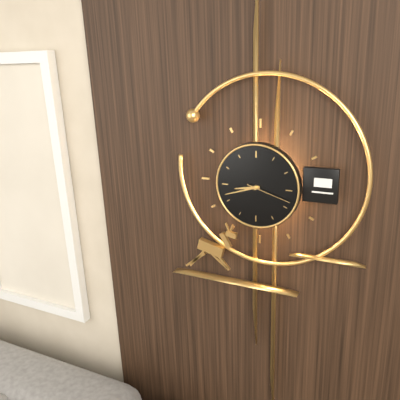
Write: 8:42
